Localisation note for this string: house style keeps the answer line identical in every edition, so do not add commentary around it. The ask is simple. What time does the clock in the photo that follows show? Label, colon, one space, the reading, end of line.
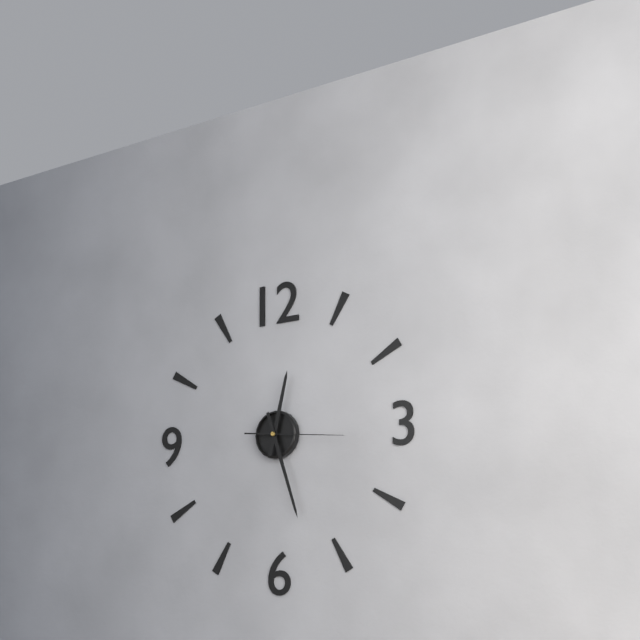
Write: 12:27:16
